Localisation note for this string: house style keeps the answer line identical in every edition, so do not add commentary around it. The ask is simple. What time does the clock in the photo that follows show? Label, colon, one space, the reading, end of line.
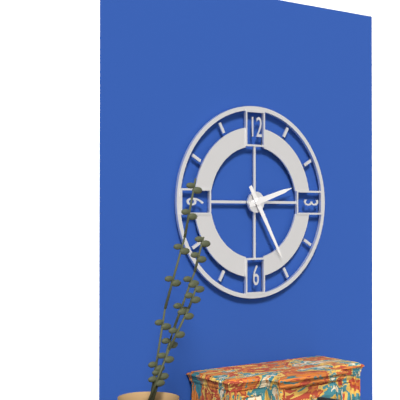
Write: 2:25
